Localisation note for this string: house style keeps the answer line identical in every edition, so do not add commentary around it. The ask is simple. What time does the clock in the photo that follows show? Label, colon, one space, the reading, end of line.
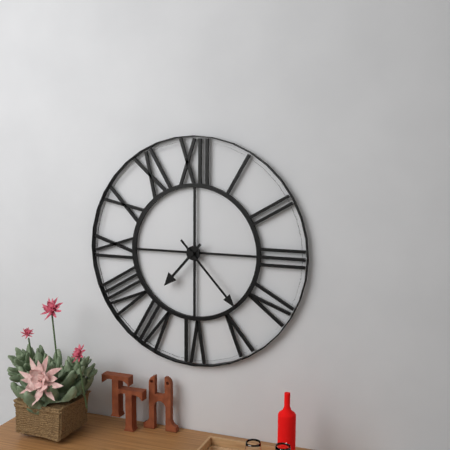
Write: 7:23
